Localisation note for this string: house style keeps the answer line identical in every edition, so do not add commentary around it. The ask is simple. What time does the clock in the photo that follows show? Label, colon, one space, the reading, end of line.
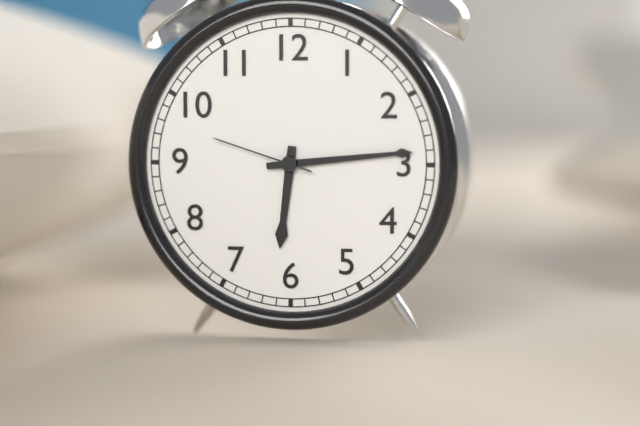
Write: 6:14:48
